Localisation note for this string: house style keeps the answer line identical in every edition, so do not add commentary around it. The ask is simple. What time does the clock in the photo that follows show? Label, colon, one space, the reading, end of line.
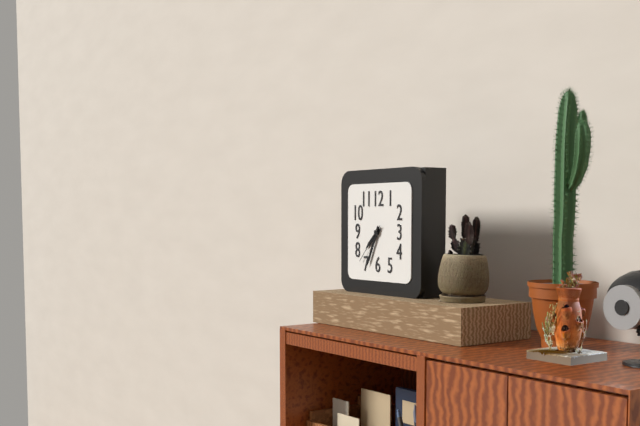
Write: 7:34
